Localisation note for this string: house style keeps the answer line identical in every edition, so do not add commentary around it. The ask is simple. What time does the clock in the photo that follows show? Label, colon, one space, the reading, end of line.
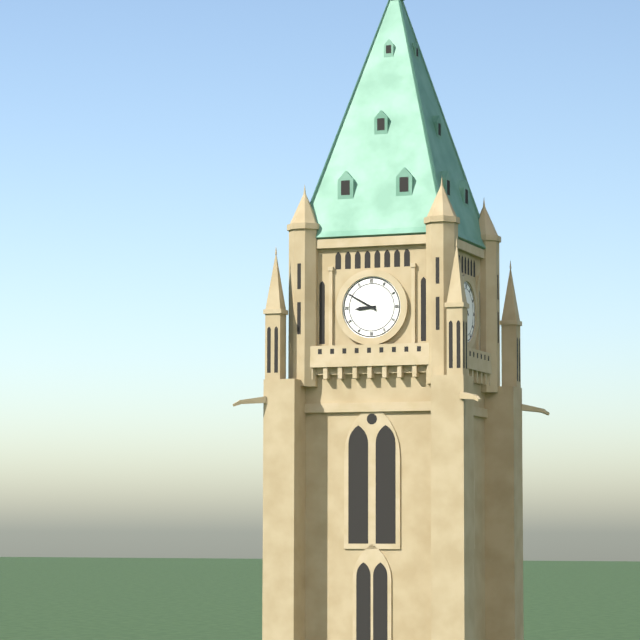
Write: 8:50
